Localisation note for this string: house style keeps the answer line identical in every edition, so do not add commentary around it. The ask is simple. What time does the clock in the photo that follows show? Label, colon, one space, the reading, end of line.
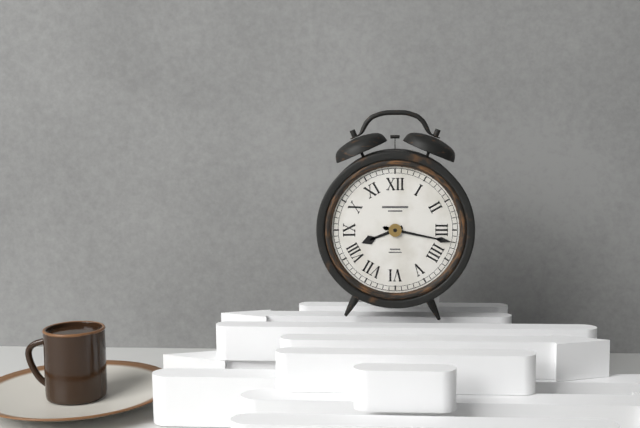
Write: 8:17
